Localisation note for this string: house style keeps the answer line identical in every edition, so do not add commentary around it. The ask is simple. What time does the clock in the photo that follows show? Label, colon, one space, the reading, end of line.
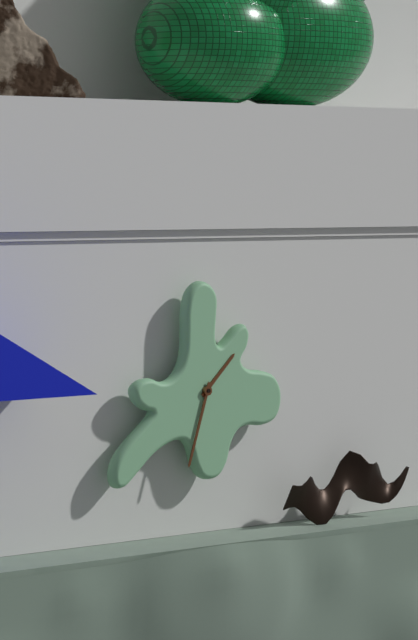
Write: 1:33
